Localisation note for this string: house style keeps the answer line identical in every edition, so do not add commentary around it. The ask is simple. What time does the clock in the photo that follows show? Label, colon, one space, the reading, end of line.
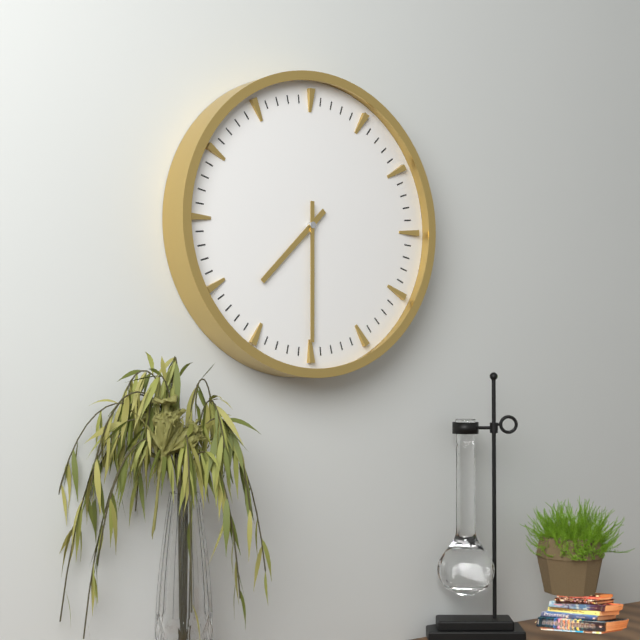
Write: 7:30
